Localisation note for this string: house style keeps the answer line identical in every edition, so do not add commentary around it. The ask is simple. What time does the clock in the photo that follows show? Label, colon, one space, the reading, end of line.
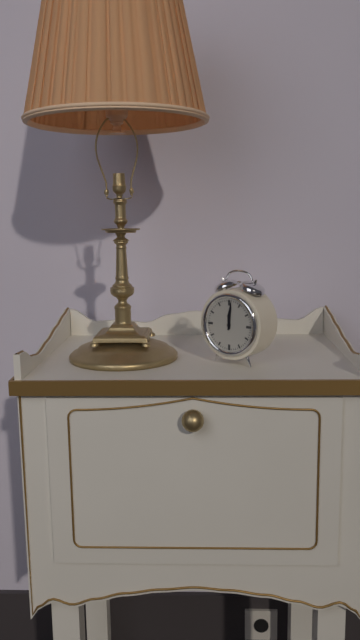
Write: 12:01
